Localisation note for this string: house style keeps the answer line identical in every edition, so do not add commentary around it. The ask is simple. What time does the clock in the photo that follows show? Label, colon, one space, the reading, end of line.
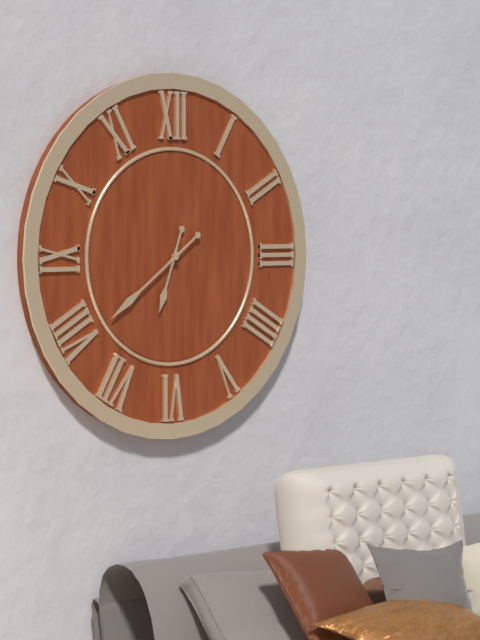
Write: 6:39
